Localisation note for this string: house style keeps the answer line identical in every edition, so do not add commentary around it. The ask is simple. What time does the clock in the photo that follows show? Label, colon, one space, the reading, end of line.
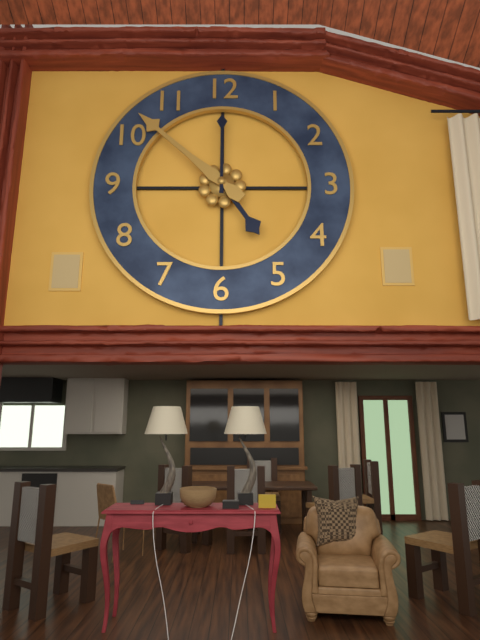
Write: 4:52:00
